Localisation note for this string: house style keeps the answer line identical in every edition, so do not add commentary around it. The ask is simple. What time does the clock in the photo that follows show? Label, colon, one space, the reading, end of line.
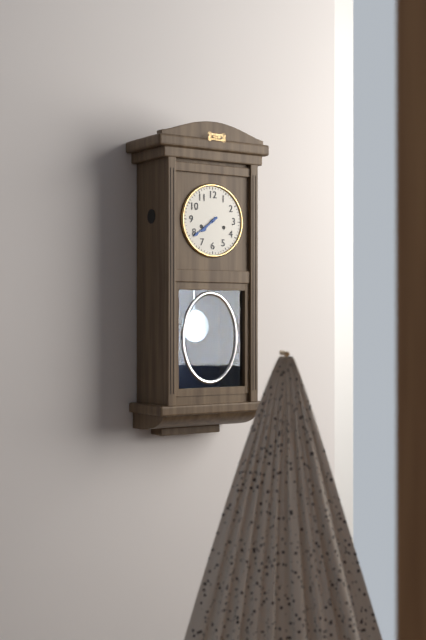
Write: 7:39
